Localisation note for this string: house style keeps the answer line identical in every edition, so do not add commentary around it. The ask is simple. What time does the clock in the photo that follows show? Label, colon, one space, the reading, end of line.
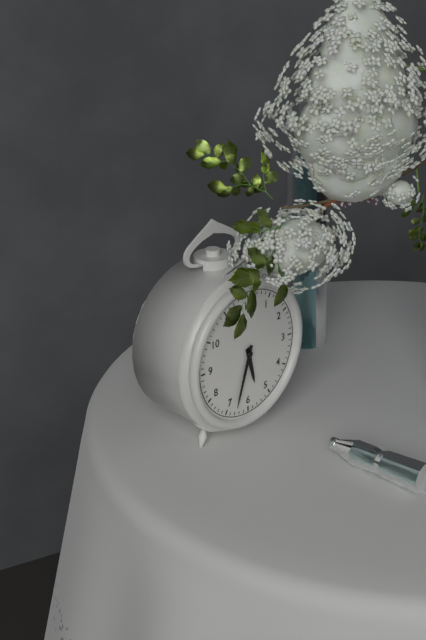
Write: 5:33
